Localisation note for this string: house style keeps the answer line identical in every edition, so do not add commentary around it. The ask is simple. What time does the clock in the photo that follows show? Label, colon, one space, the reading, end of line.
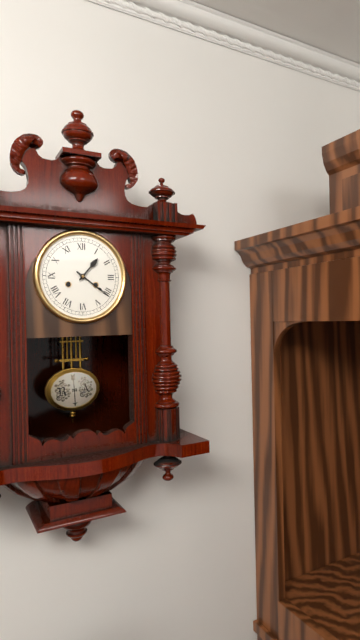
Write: 1:21
